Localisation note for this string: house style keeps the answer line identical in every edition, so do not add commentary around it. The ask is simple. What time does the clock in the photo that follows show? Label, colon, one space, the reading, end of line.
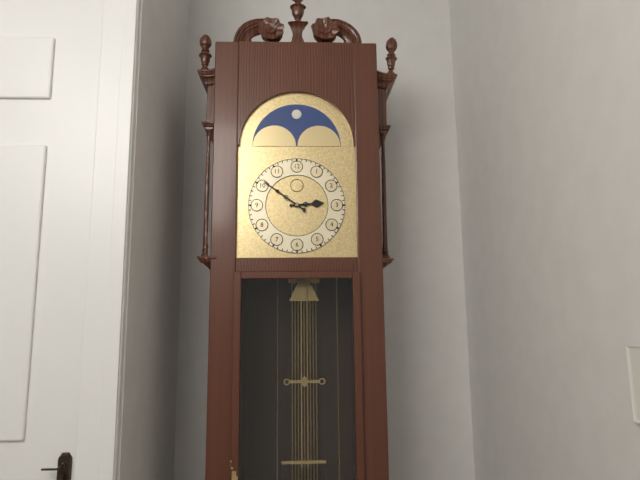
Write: 2:51
